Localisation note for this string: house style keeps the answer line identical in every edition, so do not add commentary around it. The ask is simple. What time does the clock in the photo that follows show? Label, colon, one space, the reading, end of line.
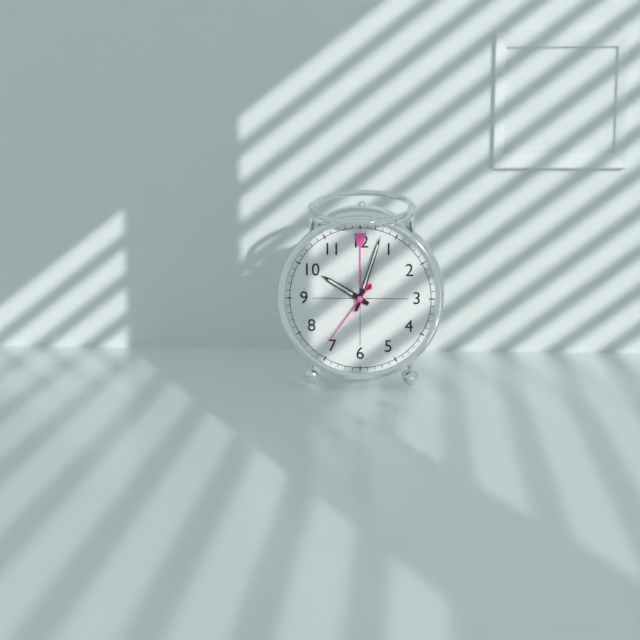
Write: 10:03:36
